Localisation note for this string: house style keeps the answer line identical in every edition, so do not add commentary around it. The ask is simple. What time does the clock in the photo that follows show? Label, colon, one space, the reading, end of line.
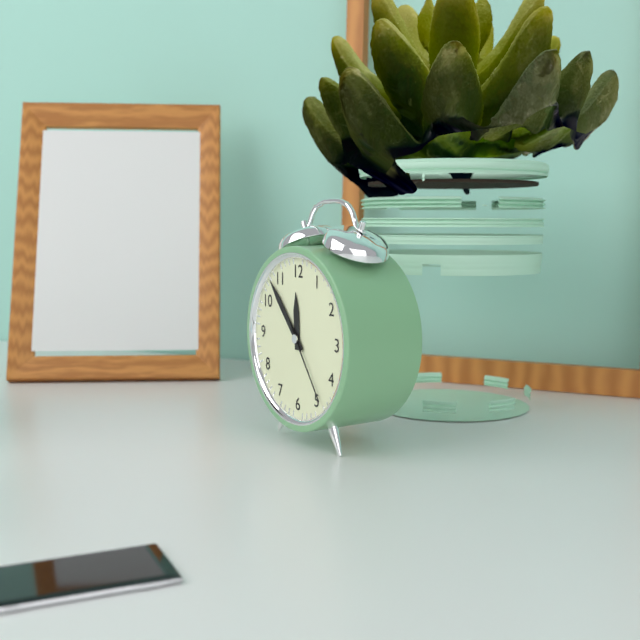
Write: 11:53:24
